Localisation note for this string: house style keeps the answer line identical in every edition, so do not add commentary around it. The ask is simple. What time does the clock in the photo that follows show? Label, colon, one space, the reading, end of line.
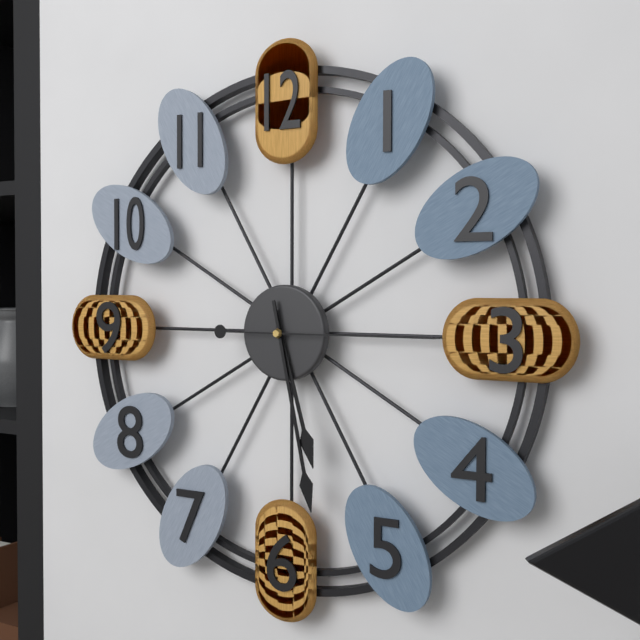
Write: 5:28:15
